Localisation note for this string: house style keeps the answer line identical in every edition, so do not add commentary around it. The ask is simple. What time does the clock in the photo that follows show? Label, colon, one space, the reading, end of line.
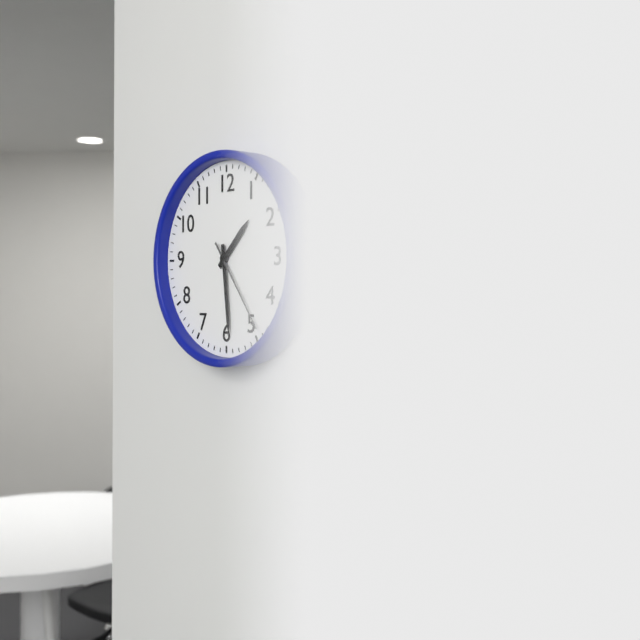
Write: 1:29:24
